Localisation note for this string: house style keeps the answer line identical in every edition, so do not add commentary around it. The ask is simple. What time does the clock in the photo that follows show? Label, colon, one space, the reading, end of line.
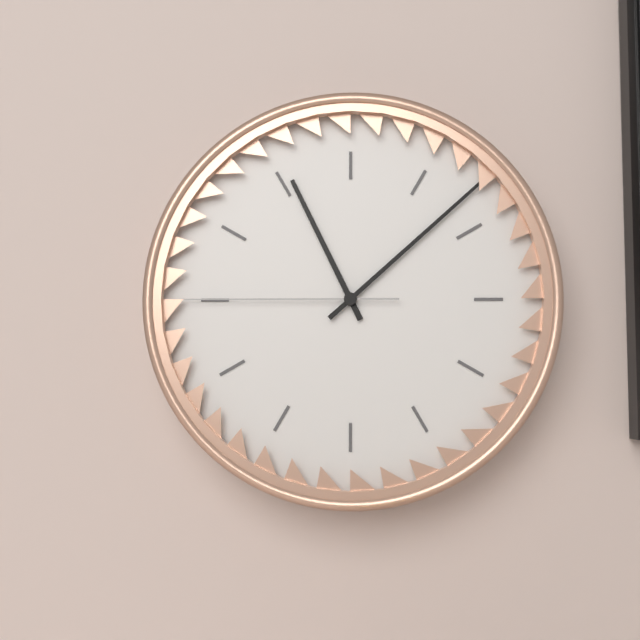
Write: 11:08:45
